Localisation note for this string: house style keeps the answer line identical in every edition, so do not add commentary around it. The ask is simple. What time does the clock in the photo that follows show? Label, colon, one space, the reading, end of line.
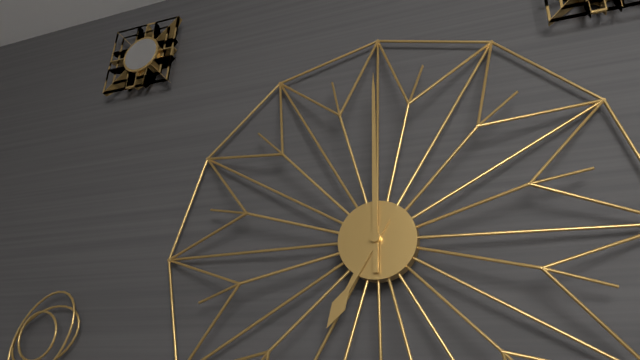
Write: 7:00
